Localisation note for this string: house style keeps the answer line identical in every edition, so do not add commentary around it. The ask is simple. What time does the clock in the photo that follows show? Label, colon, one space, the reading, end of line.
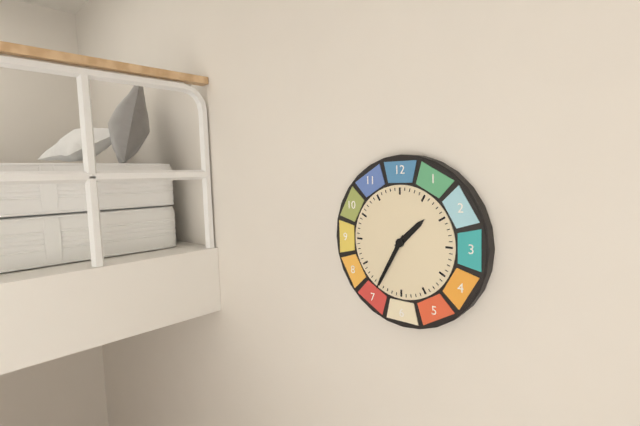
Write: 1:35
